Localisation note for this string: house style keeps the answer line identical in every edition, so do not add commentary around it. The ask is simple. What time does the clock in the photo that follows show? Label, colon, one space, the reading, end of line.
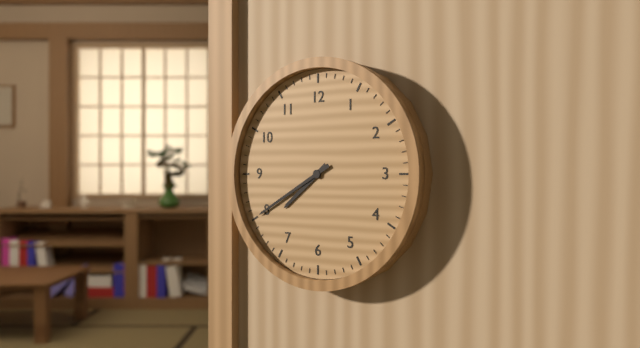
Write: 7:40
